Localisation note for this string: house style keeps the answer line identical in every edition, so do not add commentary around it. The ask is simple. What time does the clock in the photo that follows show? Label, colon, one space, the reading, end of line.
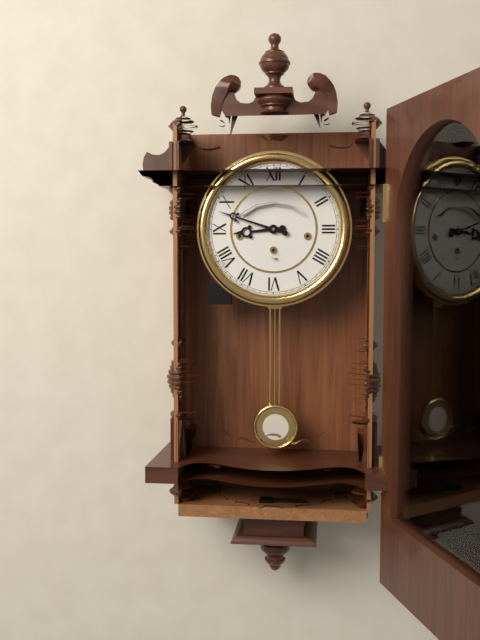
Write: 8:48
